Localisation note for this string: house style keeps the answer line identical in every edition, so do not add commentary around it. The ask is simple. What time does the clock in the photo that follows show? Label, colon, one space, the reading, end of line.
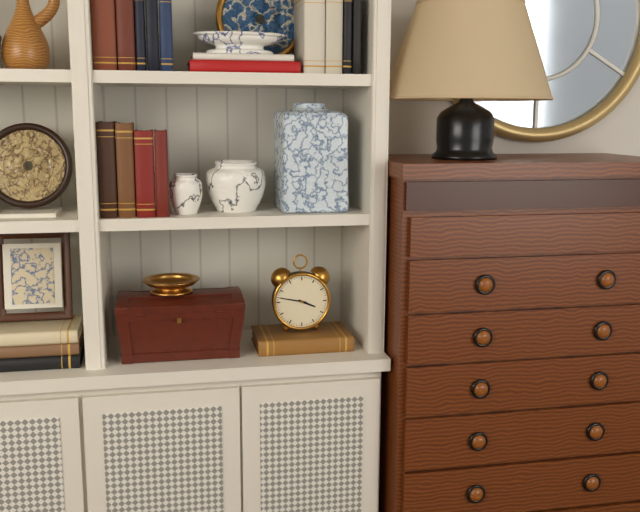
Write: 3:47
